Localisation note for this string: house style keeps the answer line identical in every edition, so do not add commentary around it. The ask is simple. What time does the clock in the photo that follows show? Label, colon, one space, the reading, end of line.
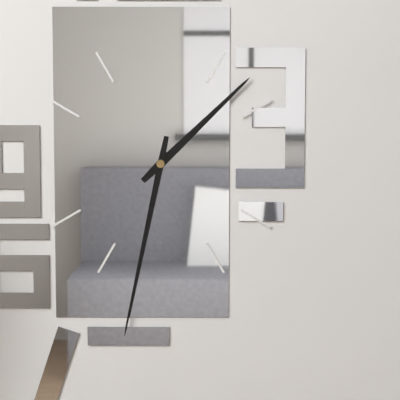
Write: 1:32
